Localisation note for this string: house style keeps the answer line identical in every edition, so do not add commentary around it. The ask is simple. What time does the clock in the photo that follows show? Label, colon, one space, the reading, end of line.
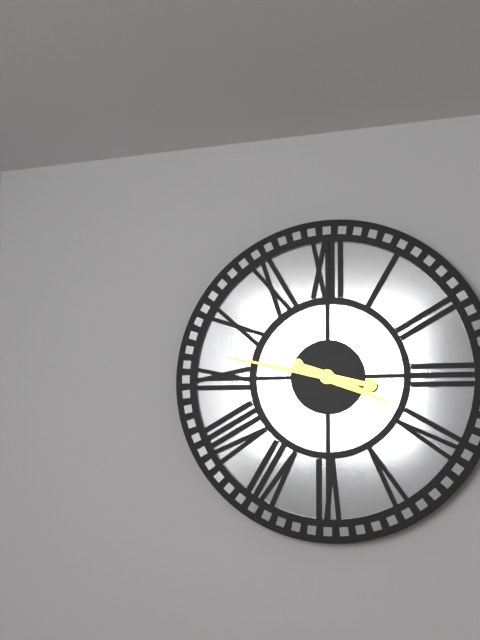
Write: 3:47
